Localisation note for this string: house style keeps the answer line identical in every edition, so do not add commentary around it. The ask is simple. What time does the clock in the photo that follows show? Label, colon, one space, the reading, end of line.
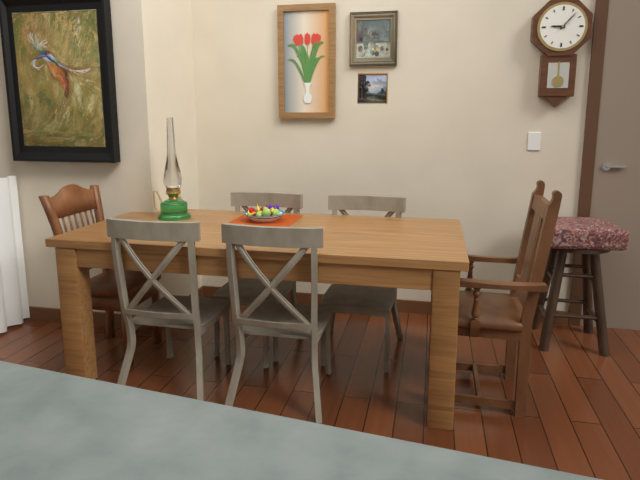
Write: 9:07
